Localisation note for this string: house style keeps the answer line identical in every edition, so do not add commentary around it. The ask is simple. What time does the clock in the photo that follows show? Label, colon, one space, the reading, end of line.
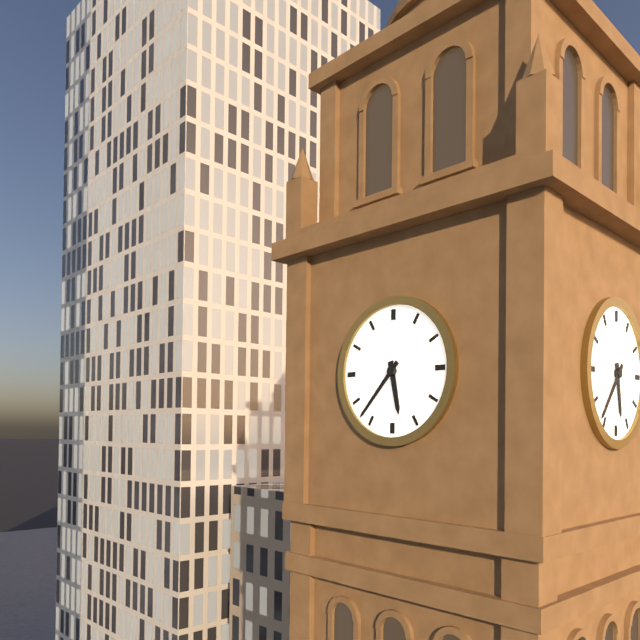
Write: 5:37
